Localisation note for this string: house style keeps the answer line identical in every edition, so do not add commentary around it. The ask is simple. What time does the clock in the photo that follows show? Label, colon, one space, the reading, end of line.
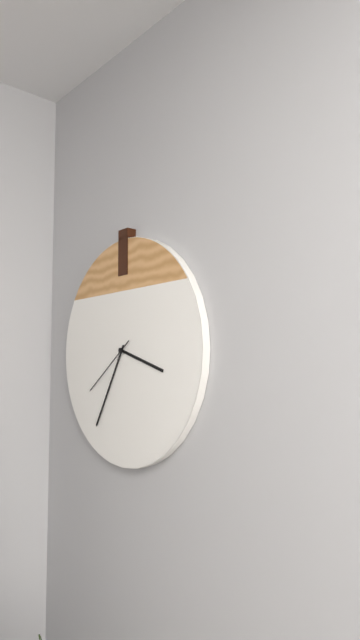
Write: 3:35:39
